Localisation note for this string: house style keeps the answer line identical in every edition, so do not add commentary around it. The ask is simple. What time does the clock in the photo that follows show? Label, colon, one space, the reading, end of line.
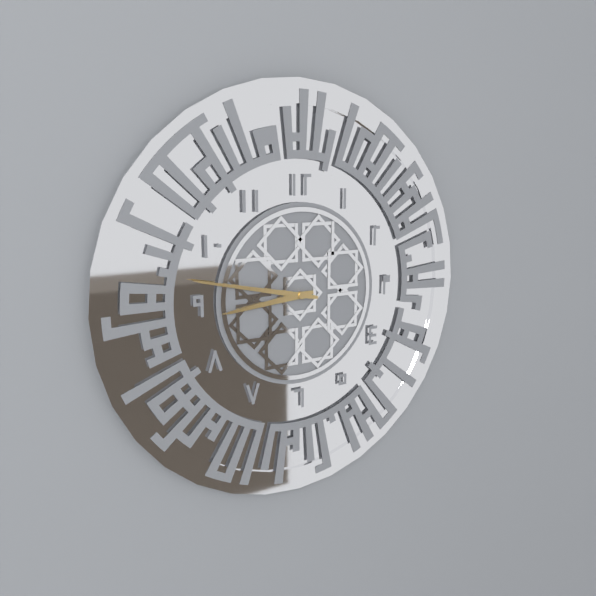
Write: 8:47
